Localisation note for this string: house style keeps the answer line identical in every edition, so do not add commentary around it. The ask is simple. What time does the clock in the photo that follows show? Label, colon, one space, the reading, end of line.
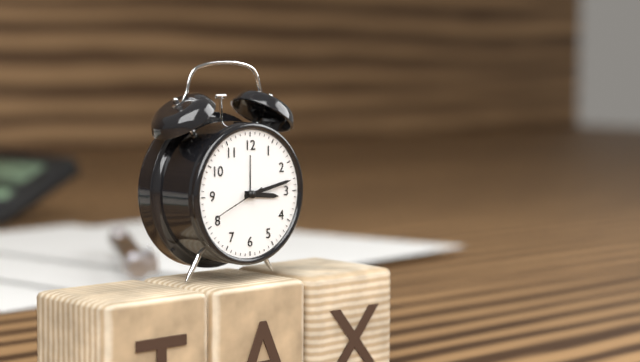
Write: 3:13:41
